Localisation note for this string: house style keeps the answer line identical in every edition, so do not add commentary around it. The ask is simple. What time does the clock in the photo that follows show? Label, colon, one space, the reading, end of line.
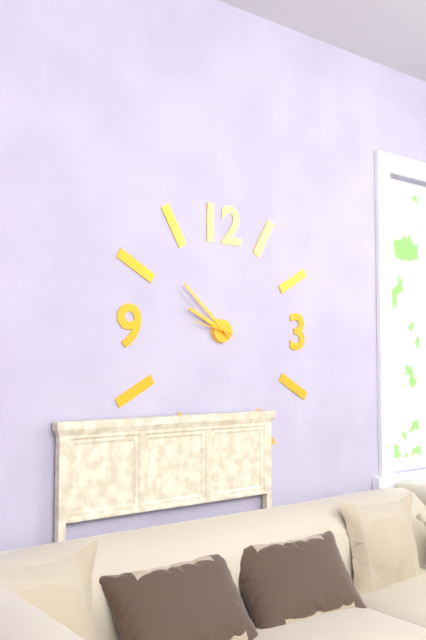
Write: 9:52
